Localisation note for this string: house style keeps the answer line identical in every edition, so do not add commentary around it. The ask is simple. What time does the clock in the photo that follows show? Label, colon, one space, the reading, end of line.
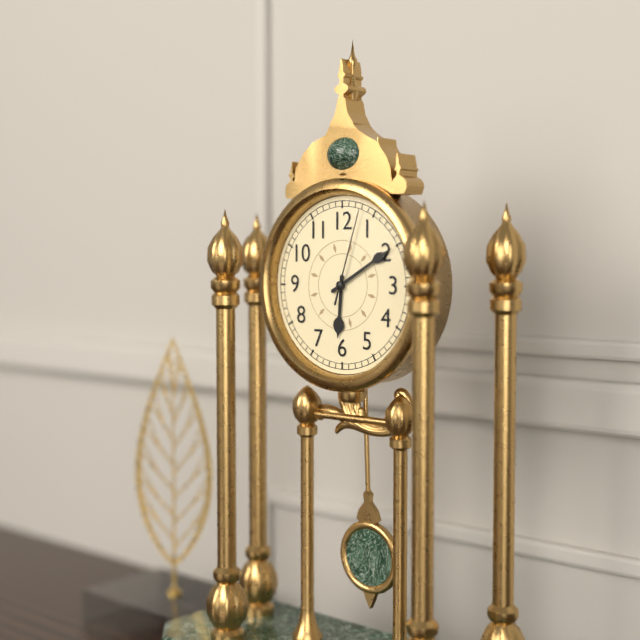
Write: 6:10:03
